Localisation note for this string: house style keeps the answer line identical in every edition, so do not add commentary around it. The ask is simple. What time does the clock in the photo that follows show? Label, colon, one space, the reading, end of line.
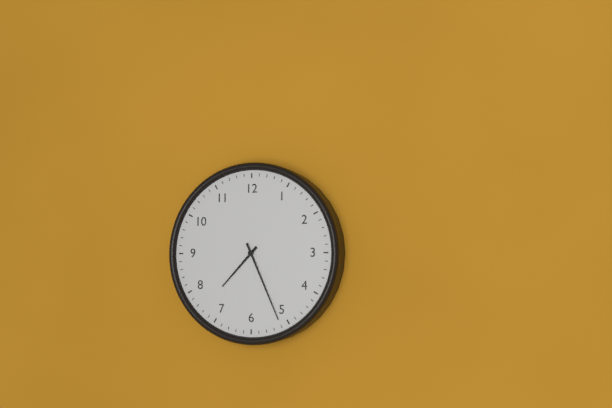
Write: 7:26
